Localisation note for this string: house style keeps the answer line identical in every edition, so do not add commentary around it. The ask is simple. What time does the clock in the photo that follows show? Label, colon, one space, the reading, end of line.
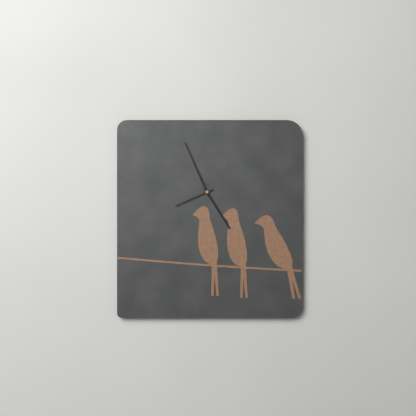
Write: 4:56
